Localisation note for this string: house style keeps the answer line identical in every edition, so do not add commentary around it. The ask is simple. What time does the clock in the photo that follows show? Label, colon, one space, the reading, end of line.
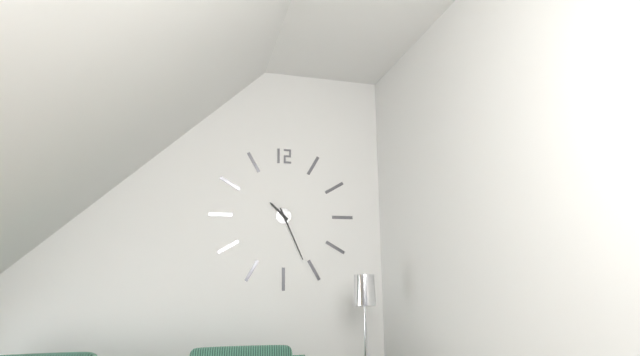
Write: 10:26
